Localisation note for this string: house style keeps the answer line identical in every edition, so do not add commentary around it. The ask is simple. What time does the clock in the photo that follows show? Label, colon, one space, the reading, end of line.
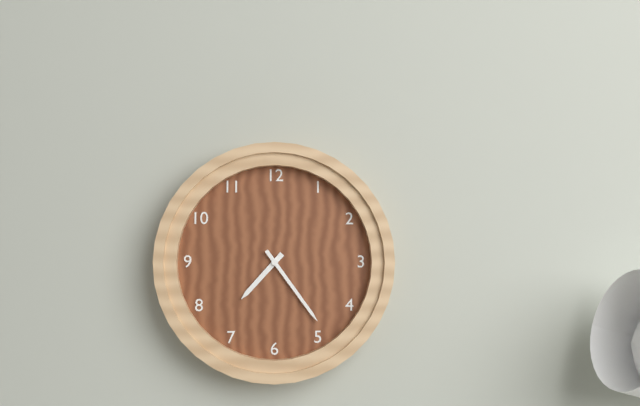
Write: 7:24
